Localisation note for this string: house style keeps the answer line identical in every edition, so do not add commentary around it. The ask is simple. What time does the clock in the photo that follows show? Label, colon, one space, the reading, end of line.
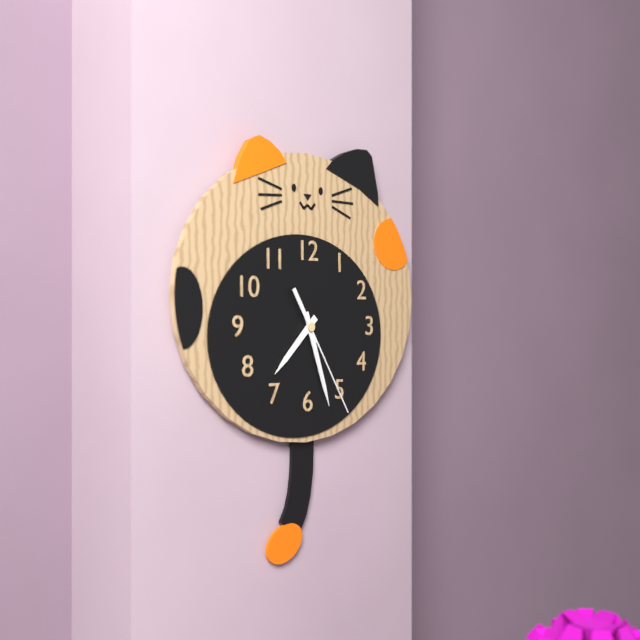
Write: 7:27:25
